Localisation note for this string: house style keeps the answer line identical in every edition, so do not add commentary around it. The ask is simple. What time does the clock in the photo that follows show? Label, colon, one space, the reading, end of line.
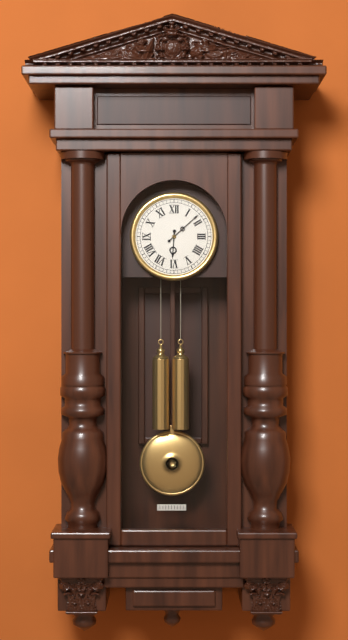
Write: 6:08
